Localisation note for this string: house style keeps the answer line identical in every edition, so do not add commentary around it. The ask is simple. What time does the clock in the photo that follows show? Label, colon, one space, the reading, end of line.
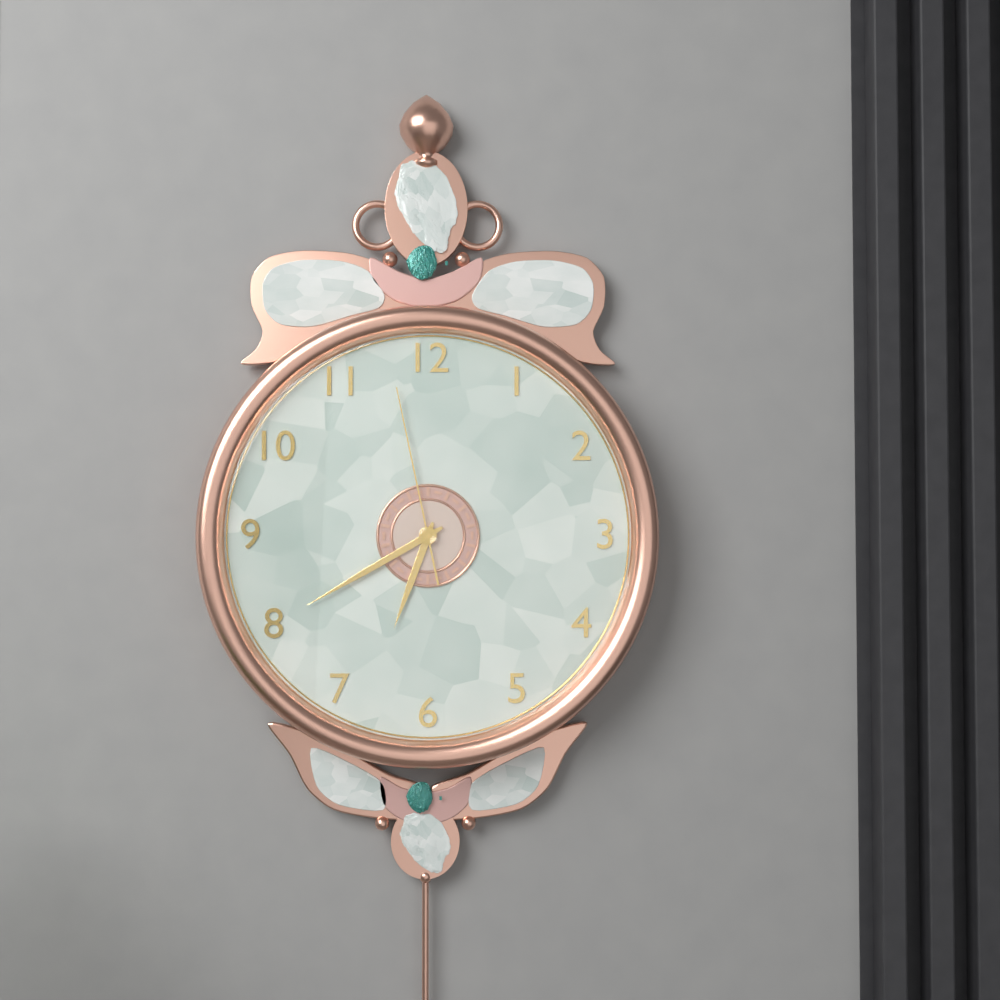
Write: 6:40:58
